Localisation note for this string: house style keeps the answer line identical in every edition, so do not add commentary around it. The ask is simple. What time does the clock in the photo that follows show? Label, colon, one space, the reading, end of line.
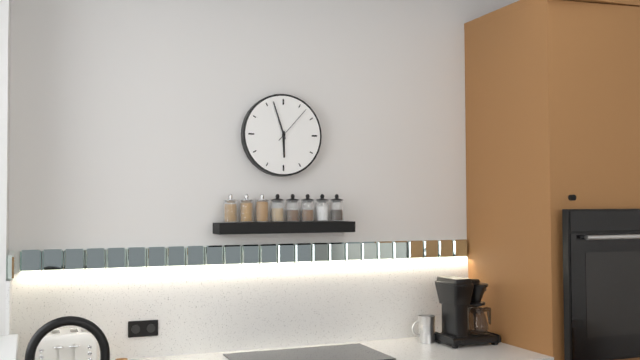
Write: 5:57
